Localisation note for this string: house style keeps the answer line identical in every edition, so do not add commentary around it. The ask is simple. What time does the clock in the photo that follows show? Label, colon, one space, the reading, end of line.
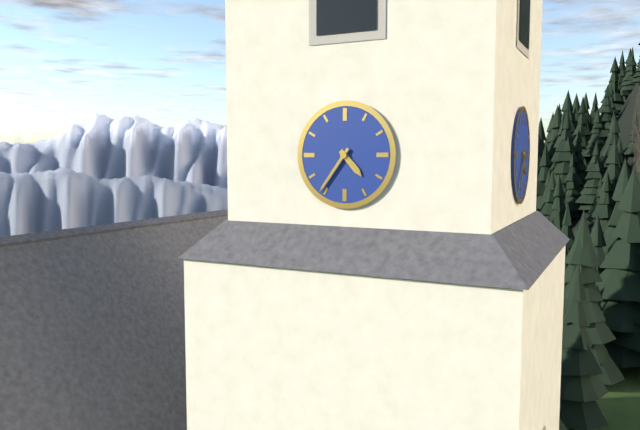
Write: 4:36
